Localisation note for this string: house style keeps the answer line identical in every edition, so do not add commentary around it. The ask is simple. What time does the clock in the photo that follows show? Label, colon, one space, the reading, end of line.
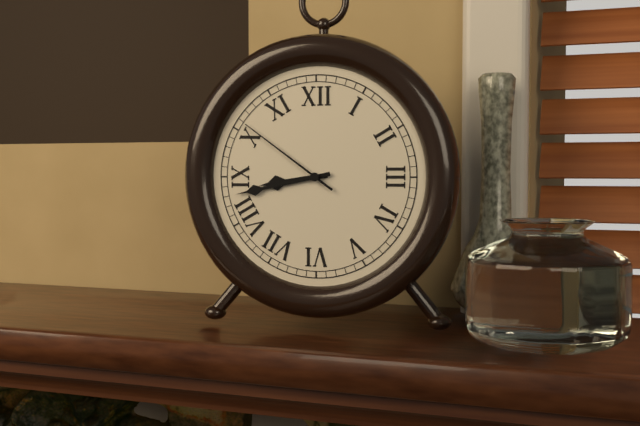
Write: 8:43:51
